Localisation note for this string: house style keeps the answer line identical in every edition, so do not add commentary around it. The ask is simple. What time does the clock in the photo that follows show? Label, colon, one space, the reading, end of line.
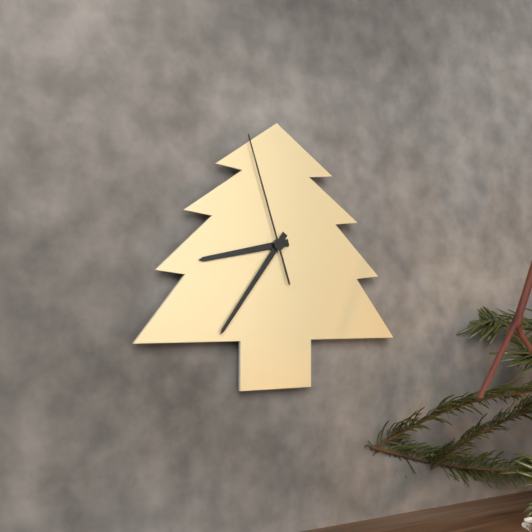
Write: 8:36:57
